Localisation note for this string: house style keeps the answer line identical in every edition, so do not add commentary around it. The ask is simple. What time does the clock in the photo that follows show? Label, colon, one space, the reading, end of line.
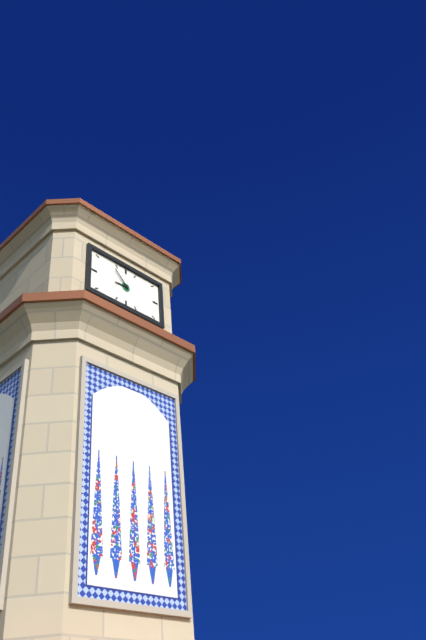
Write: 8:53
